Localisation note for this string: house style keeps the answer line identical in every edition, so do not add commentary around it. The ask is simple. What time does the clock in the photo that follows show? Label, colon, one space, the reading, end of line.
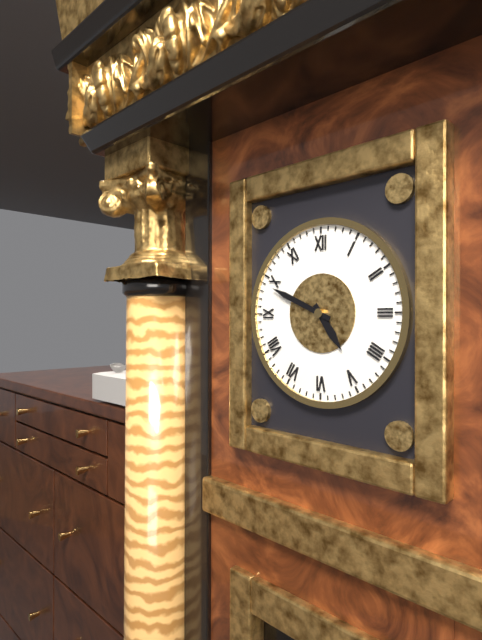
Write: 4:49
